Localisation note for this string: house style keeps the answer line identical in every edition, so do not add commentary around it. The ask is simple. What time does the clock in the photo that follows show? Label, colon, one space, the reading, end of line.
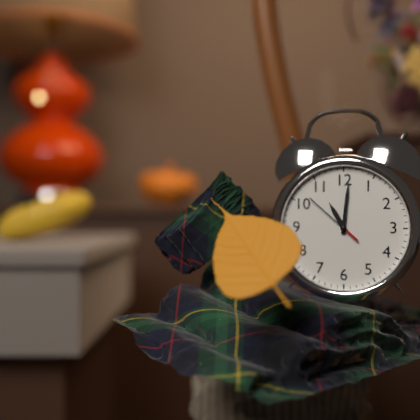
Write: 11:01:52
